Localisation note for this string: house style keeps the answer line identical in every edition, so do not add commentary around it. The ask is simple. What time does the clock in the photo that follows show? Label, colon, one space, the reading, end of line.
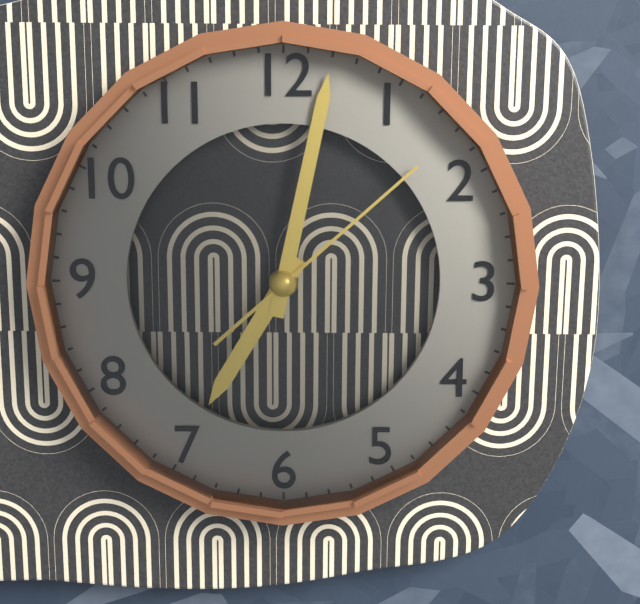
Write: 7:02:08
